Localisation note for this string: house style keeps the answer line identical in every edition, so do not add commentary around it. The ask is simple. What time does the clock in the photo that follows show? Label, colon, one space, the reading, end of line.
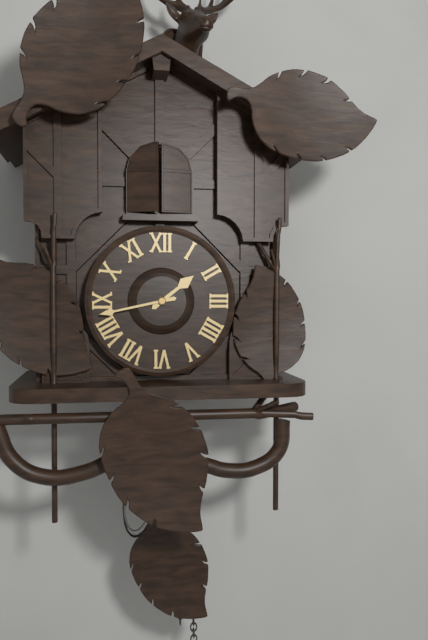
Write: 1:43
